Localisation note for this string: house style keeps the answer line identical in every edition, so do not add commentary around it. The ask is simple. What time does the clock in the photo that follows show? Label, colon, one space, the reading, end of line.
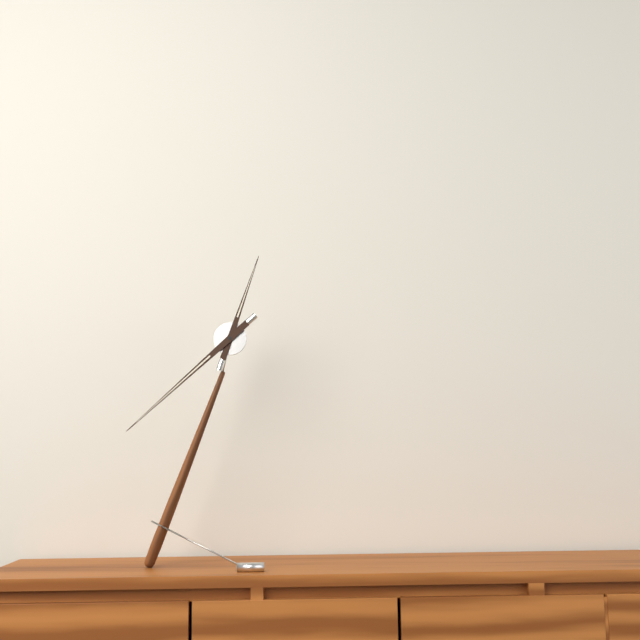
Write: 12:38
